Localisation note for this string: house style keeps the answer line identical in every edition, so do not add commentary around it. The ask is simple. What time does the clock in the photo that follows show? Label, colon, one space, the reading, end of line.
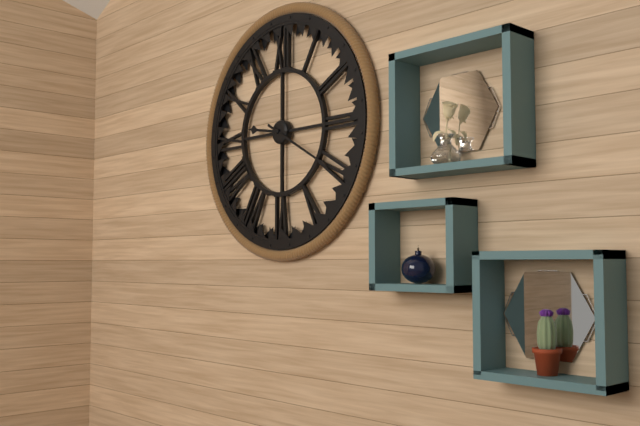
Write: 9:20
